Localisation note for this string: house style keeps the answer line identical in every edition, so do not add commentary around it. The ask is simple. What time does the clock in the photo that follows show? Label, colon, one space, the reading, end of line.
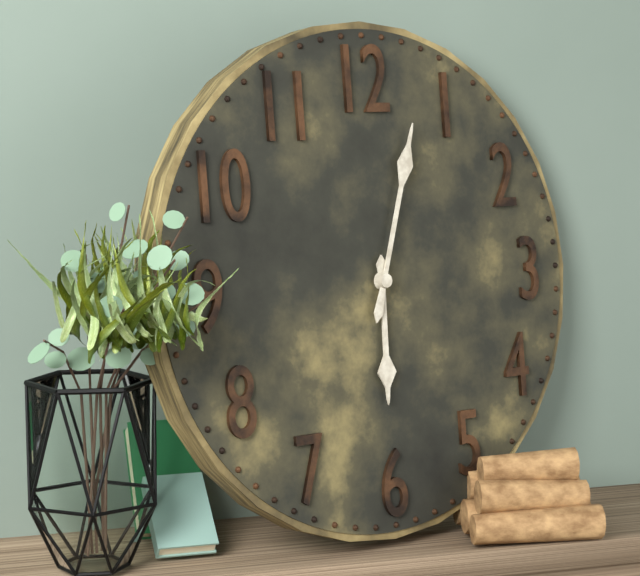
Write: 6:03
